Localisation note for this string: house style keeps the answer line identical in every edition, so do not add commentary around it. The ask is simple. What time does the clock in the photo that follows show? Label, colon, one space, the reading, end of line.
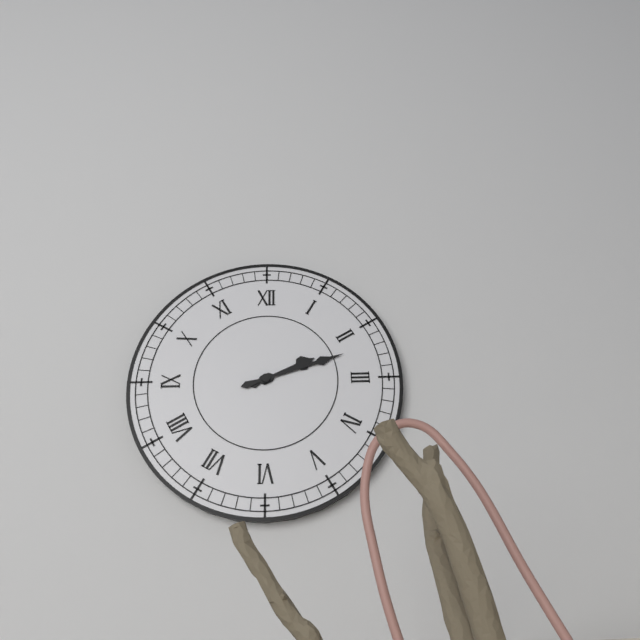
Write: 2:12
